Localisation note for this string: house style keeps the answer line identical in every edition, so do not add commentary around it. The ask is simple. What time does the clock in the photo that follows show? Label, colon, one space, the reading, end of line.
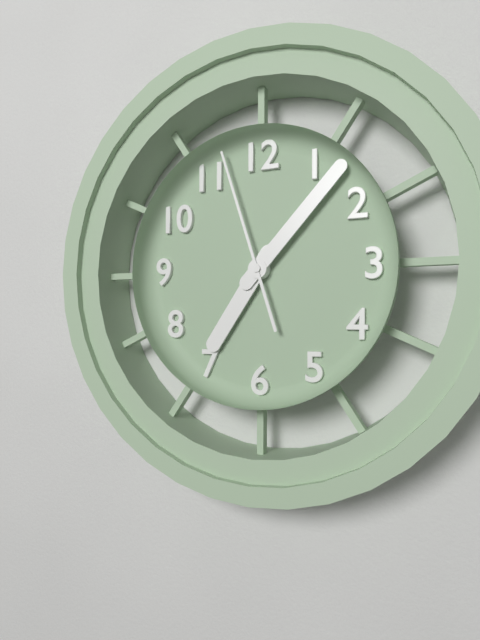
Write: 7:07:57
